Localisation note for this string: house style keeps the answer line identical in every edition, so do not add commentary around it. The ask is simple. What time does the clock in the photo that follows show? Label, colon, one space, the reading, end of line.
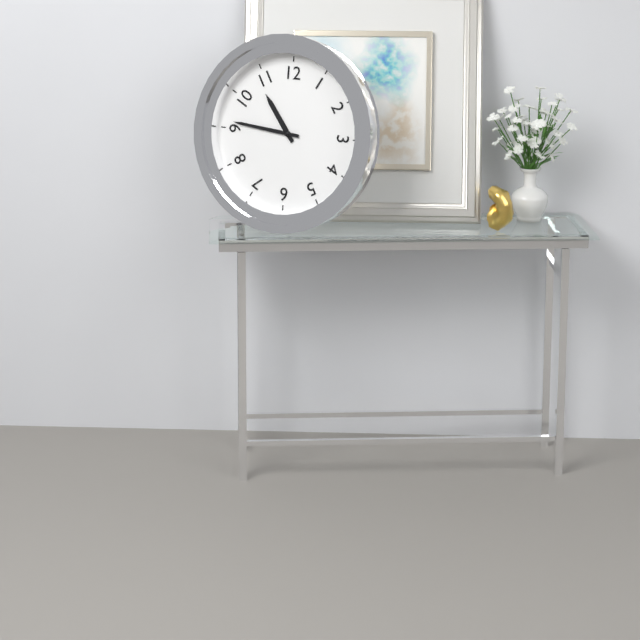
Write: 10:46
